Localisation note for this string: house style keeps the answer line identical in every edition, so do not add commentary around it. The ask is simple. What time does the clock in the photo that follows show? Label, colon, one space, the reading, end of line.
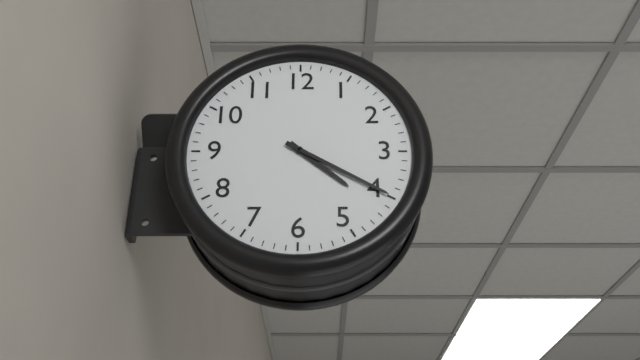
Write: 4:20
